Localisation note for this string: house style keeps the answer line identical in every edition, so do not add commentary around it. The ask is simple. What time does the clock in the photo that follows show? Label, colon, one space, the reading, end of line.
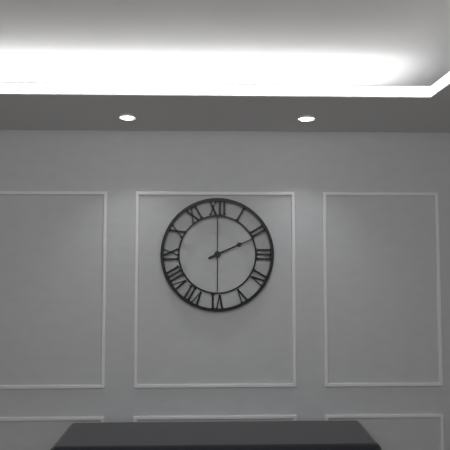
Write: 2:11
